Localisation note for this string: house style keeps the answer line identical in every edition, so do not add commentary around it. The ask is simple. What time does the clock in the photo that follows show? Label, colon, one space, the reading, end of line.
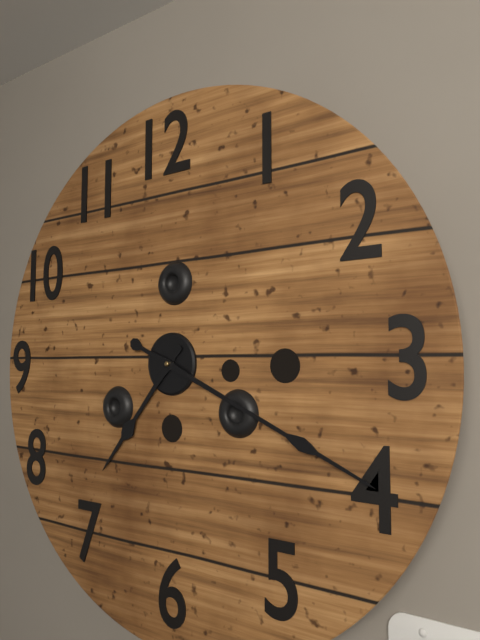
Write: 7:19
